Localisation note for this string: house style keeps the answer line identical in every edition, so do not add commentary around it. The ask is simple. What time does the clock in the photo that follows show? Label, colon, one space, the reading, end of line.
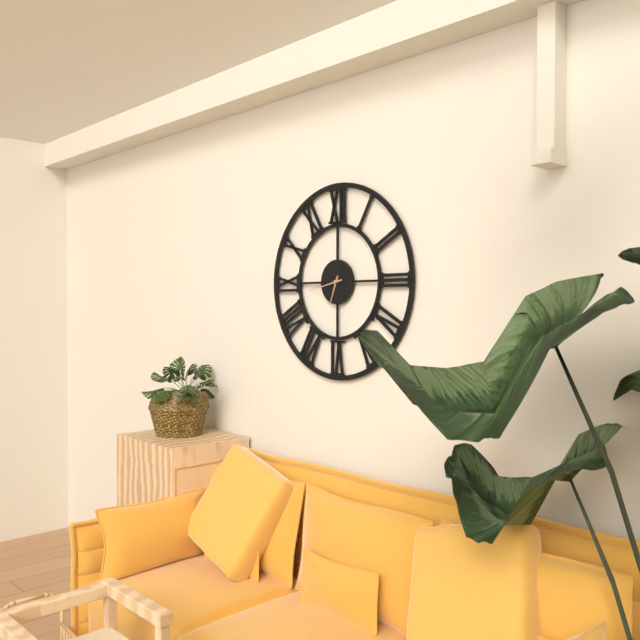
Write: 6:43
